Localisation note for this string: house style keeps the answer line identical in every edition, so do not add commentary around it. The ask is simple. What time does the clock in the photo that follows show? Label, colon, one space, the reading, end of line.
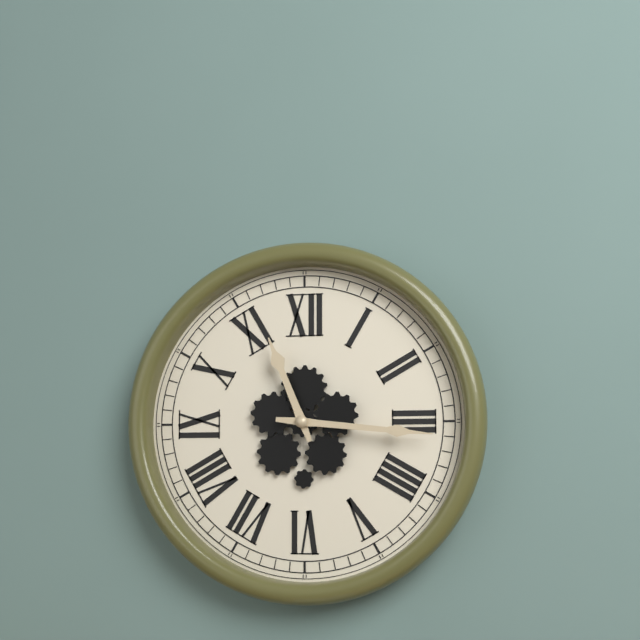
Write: 11:16
